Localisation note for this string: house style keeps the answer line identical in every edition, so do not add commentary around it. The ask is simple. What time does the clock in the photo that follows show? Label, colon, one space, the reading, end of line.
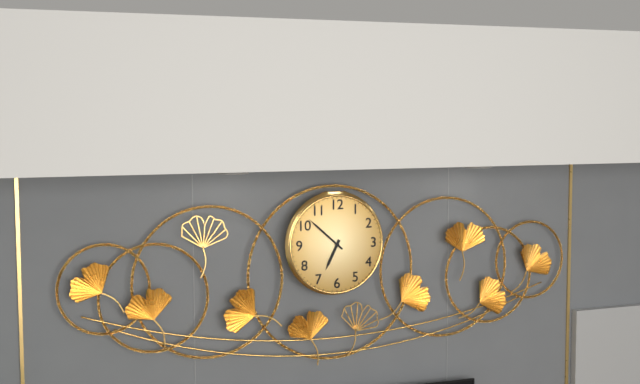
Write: 6:52
